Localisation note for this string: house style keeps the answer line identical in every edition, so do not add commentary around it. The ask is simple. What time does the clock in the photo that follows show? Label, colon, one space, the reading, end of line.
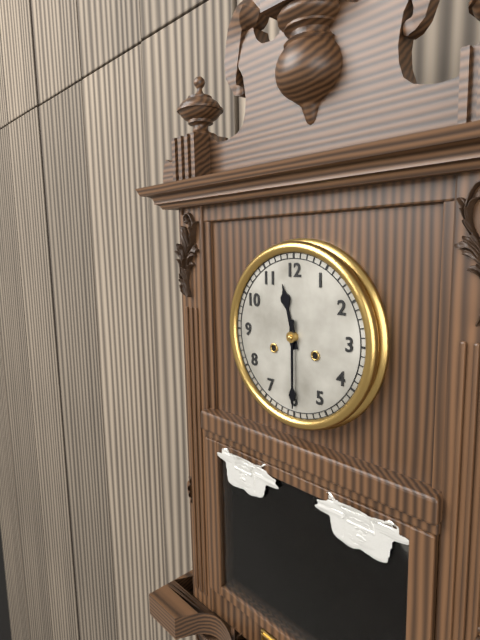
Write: 11:30
